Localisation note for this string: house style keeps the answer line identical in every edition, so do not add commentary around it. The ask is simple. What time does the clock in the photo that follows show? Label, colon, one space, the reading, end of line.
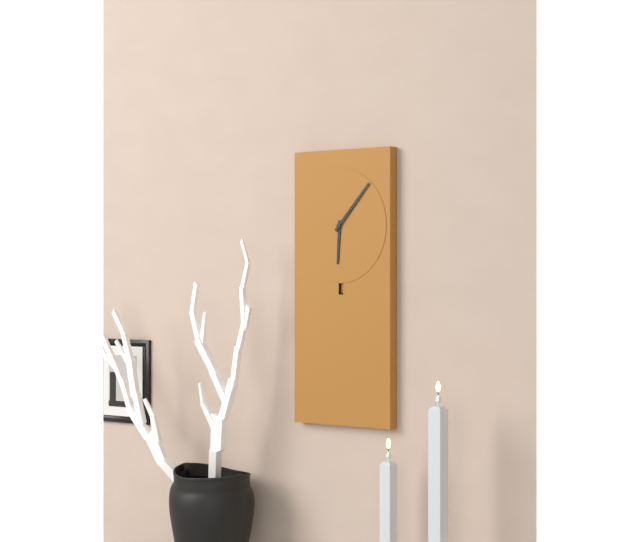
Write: 6:07
